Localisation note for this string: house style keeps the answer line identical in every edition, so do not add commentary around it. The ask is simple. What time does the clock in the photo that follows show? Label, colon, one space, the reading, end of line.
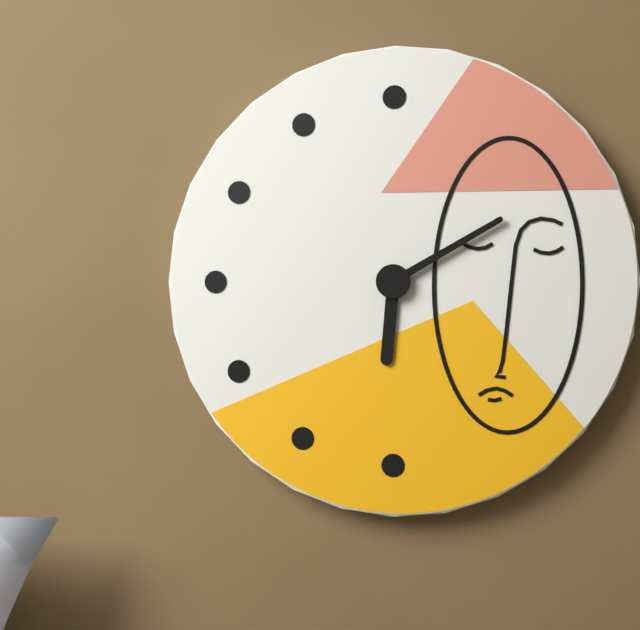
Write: 6:10
